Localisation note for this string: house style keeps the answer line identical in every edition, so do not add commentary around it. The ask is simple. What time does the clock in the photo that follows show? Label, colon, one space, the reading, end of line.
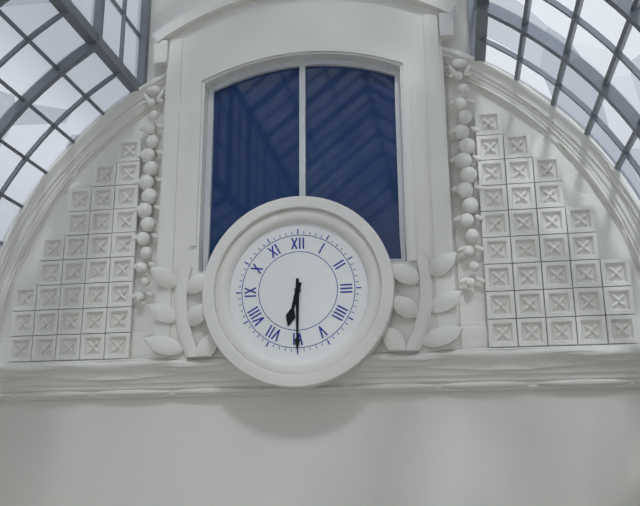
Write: 6:30
